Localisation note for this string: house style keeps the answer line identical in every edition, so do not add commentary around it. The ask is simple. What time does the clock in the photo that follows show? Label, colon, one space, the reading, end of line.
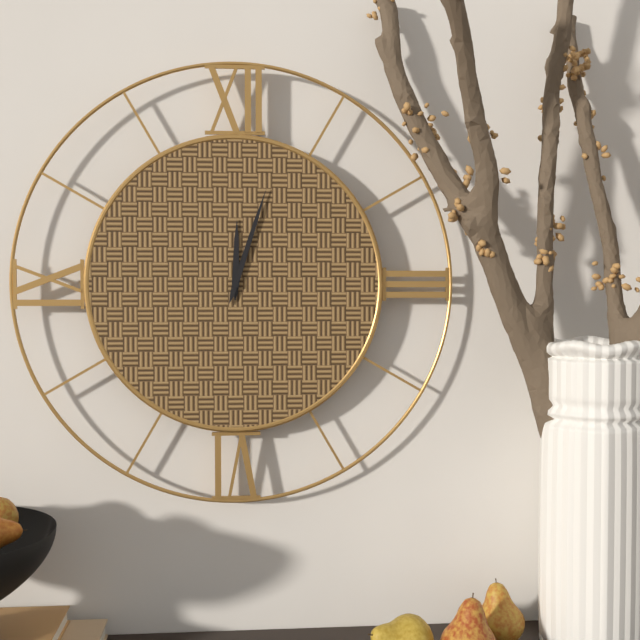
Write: 12:03
